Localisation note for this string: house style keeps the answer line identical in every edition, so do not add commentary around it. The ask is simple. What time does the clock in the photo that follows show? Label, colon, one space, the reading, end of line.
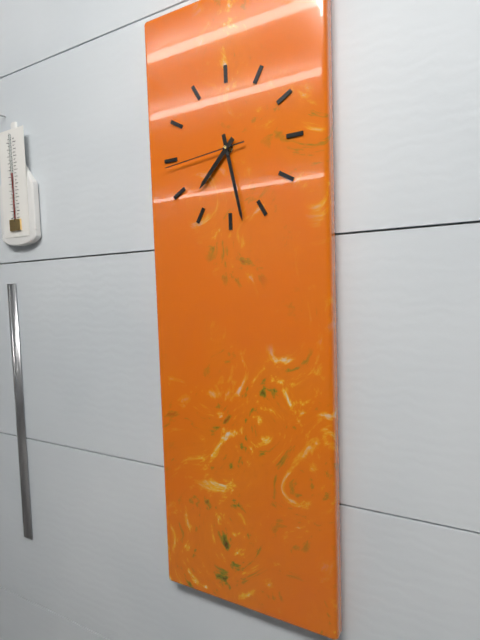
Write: 7:28:44
